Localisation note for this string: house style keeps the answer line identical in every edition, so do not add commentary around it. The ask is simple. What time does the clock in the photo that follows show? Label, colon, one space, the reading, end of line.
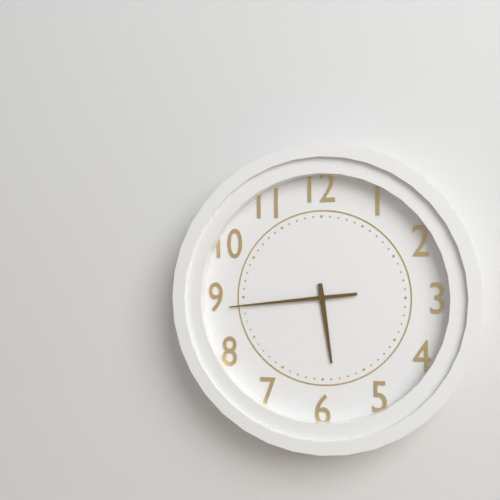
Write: 5:44
